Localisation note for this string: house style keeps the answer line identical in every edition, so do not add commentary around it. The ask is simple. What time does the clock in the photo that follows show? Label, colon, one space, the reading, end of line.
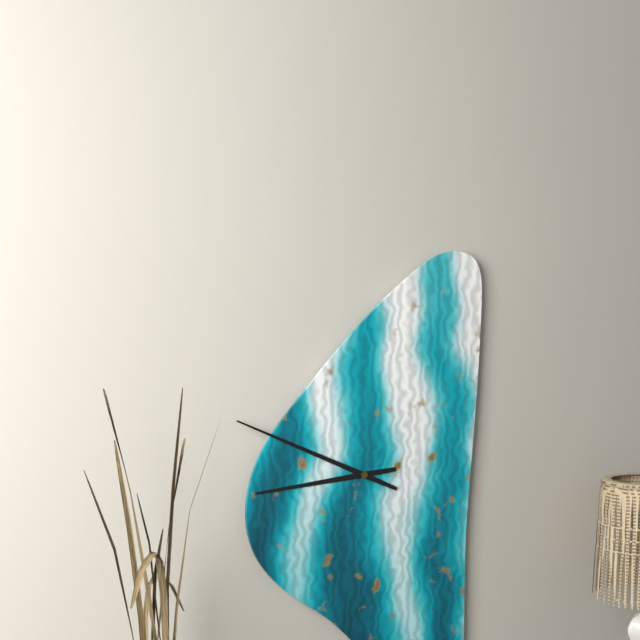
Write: 8:49
